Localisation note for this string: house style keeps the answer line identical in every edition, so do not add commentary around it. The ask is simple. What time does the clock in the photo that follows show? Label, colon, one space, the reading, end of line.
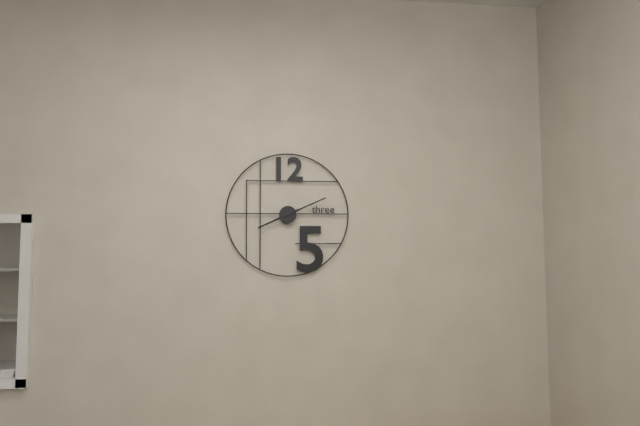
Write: 8:11
